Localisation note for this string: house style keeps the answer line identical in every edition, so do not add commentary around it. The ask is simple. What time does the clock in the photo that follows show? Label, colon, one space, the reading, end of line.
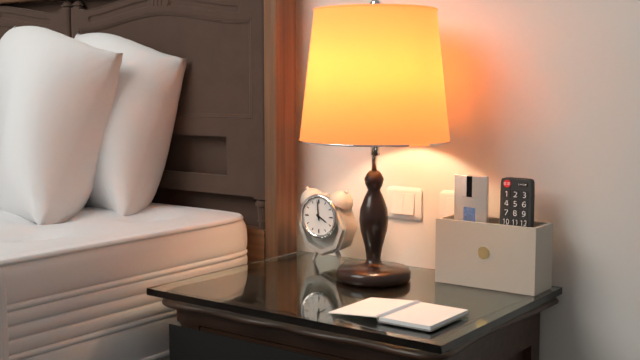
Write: 3:59
